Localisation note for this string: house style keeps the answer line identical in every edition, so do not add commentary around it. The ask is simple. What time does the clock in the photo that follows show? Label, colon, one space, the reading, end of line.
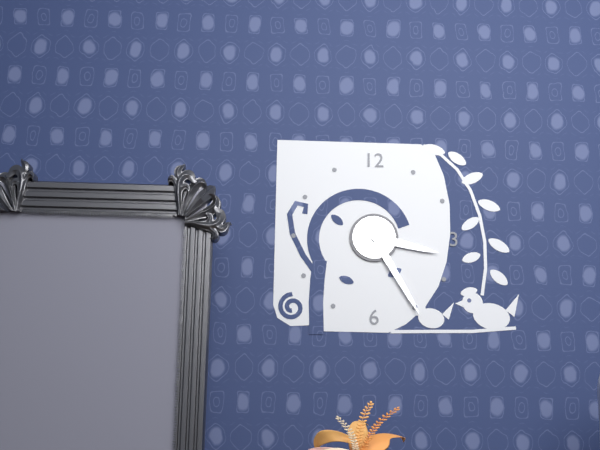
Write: 3:25
